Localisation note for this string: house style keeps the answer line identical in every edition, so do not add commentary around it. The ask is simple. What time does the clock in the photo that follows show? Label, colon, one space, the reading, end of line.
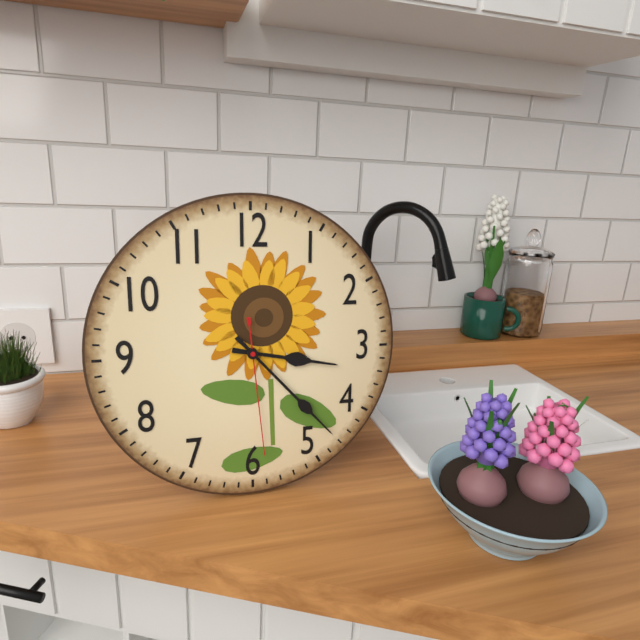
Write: 3:23:29
